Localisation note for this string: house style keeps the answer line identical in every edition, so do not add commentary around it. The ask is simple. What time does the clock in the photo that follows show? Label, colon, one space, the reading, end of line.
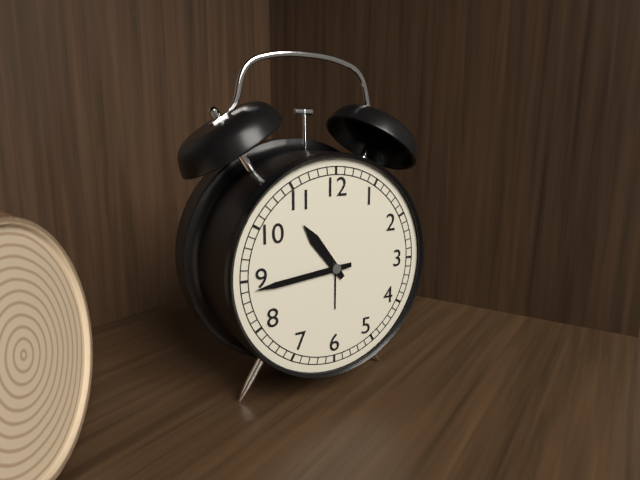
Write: 10:44
